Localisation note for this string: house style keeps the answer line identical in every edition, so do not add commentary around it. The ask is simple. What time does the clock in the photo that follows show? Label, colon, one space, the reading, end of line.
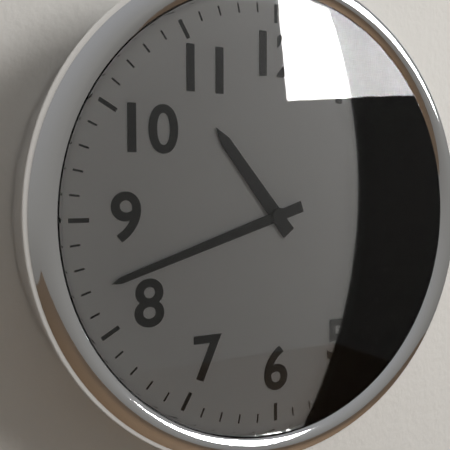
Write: 10:42
